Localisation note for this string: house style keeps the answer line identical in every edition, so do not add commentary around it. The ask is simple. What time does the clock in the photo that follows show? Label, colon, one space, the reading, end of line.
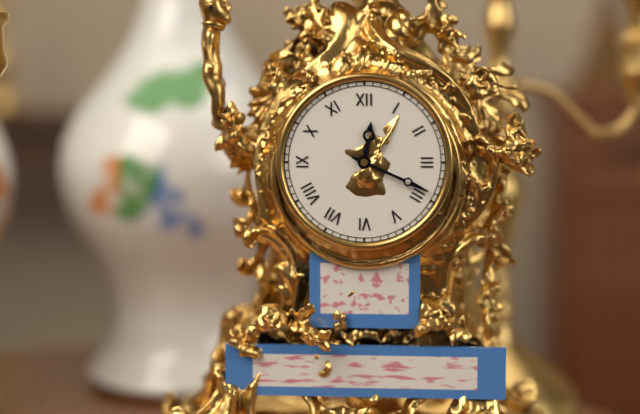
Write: 12:19
